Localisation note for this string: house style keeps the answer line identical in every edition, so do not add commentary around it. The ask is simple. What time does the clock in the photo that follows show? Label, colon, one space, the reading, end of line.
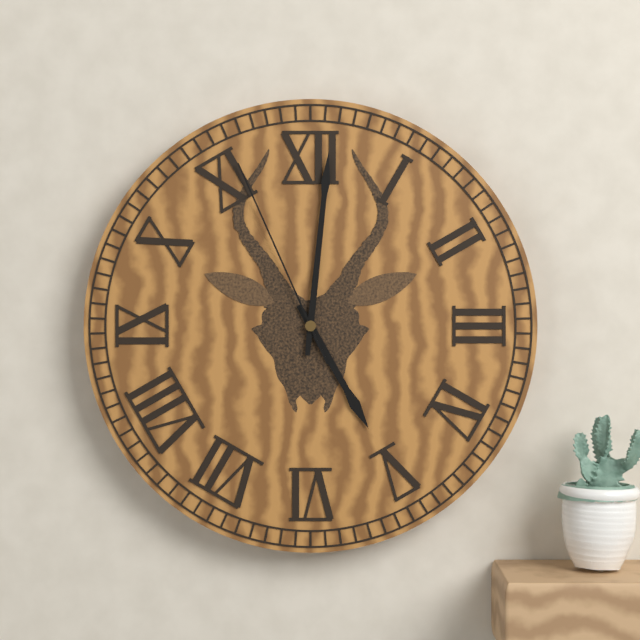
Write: 5:01:56
